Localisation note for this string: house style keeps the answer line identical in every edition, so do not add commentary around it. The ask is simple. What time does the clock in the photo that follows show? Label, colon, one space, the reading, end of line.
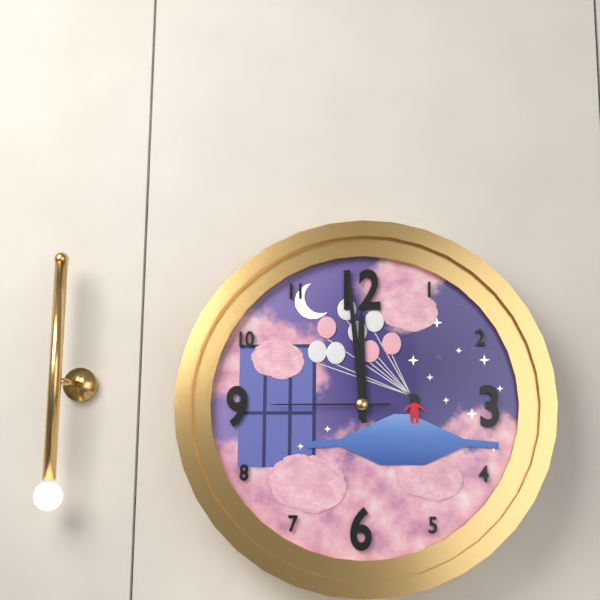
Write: 11:59:45
